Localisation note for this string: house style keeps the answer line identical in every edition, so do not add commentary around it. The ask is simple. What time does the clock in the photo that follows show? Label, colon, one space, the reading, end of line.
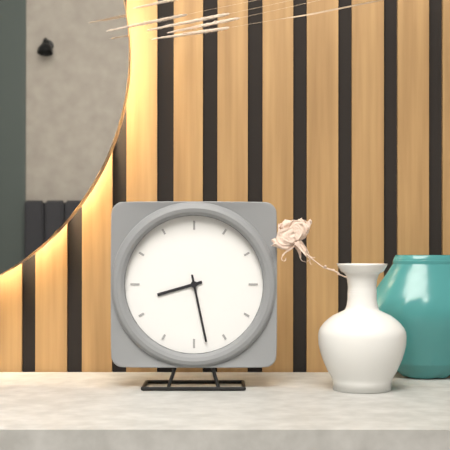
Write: 8:28
